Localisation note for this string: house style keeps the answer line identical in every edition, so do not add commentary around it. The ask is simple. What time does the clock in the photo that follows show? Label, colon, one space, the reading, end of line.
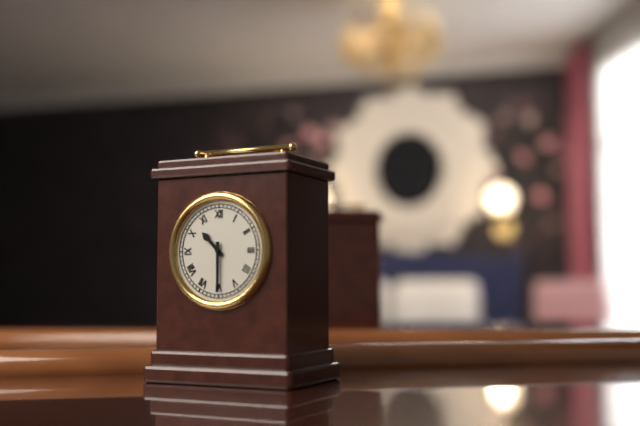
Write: 10:30
